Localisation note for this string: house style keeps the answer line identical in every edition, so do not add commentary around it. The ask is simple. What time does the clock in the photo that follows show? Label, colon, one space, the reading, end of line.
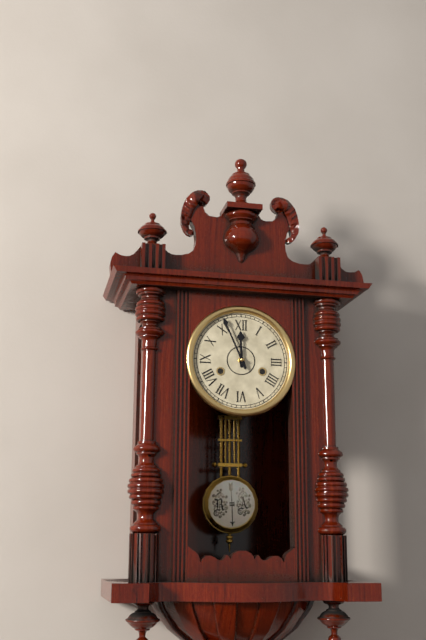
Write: 11:56
